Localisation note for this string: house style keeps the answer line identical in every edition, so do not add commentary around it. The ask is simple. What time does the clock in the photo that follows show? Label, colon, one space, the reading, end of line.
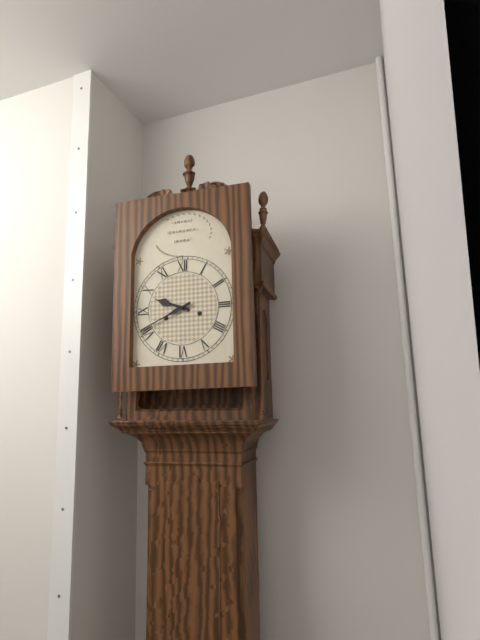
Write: 9:41
